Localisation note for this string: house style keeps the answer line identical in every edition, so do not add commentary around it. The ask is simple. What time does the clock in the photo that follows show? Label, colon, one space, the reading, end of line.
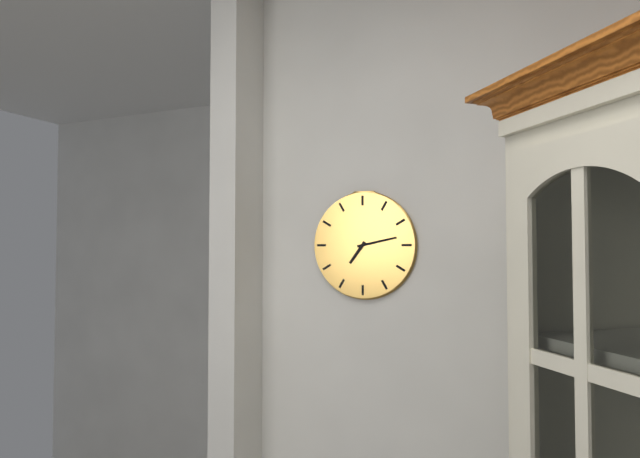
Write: 7:13
